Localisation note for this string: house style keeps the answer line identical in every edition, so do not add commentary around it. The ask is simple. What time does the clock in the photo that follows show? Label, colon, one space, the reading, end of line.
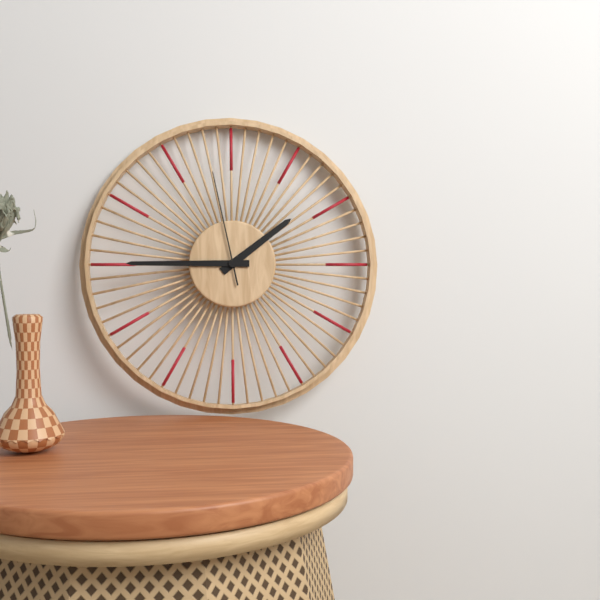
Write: 1:45:58
